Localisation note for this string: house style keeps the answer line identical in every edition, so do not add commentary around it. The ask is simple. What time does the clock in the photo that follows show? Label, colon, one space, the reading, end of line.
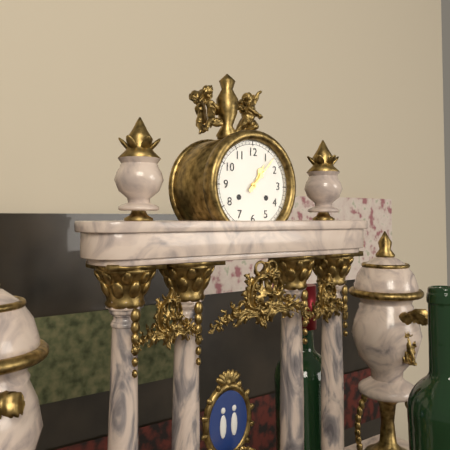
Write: 1:07
